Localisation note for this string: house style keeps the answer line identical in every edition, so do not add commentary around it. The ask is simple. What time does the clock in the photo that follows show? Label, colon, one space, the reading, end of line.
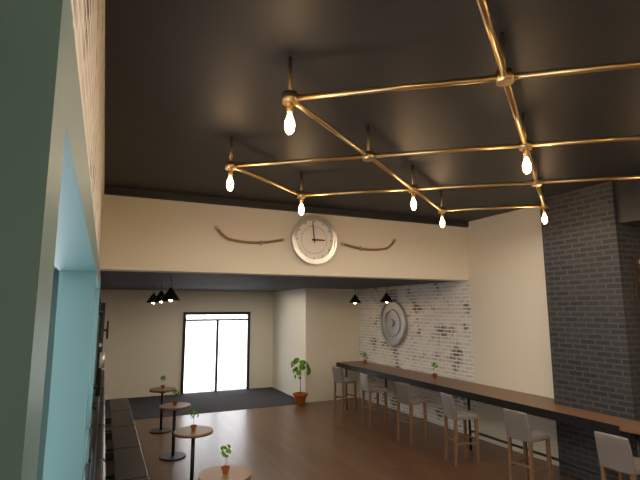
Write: 2:59
